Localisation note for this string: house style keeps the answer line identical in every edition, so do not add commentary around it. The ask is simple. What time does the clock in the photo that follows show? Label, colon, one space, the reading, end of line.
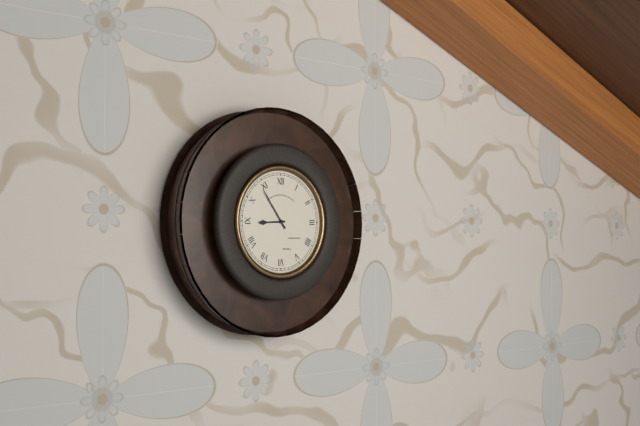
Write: 8:54
